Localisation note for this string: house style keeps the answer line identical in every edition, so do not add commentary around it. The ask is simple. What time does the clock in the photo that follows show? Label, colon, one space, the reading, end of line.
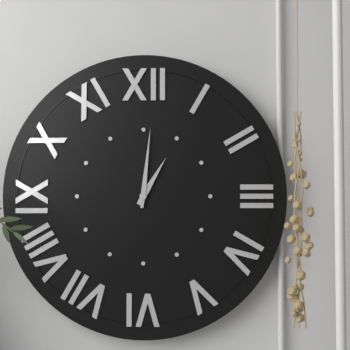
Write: 1:01
